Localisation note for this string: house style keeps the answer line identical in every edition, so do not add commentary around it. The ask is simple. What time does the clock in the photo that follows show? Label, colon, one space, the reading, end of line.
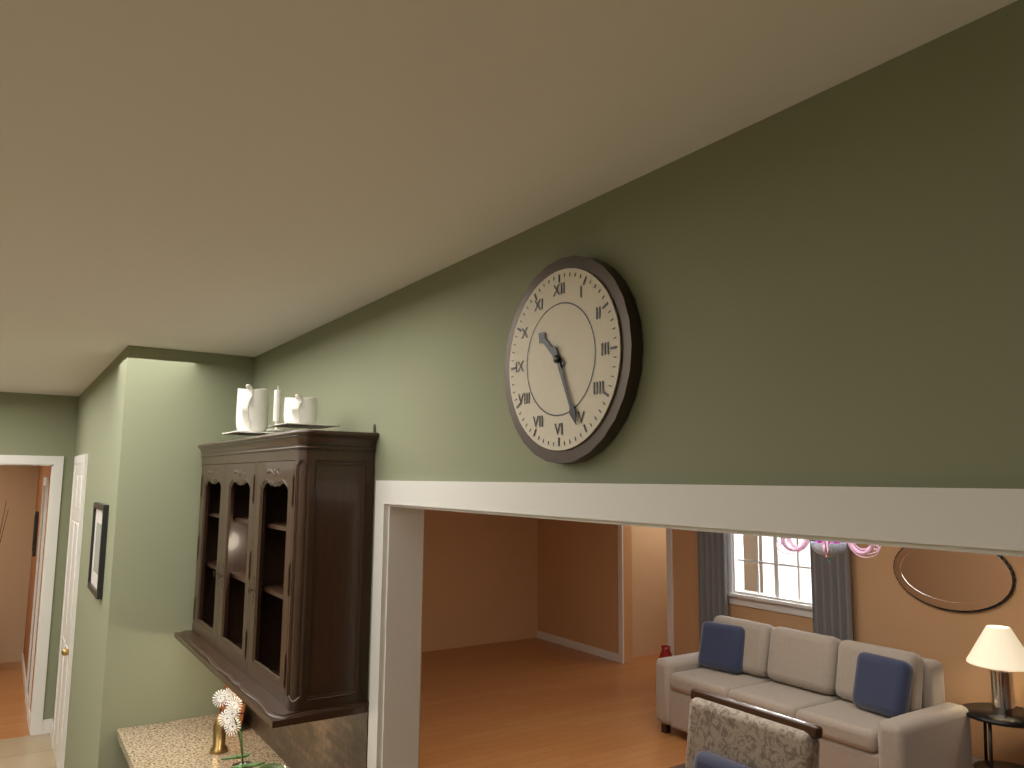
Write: 10:26
